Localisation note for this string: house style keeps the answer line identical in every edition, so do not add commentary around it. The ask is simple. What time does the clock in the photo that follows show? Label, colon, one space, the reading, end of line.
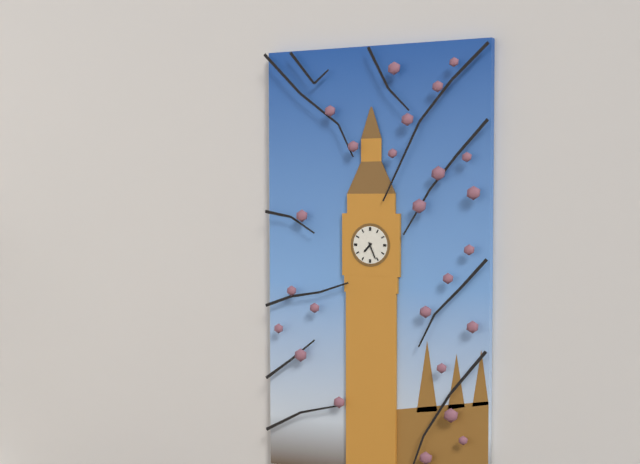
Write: 7:26
